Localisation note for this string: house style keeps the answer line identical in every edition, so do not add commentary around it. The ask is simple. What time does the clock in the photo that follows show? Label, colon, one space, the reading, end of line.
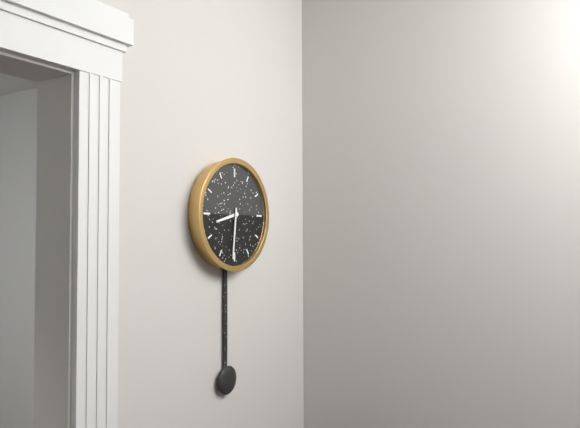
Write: 8:31
